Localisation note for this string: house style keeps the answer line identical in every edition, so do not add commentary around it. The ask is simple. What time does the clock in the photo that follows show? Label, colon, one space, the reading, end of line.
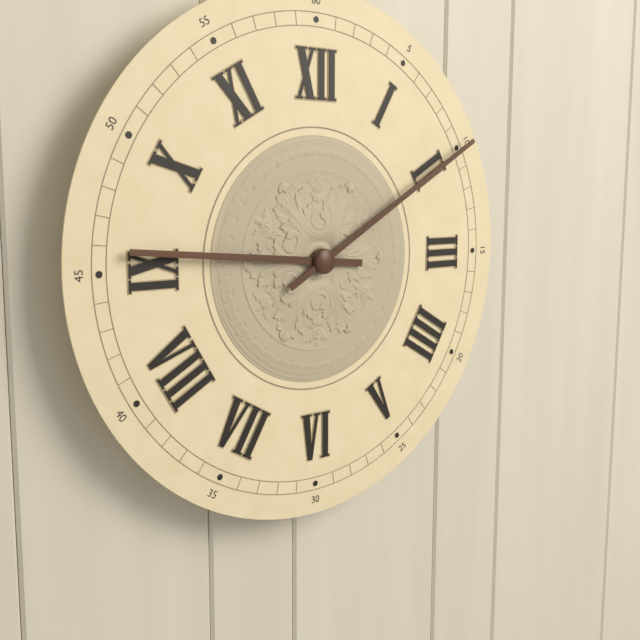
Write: 9:10
